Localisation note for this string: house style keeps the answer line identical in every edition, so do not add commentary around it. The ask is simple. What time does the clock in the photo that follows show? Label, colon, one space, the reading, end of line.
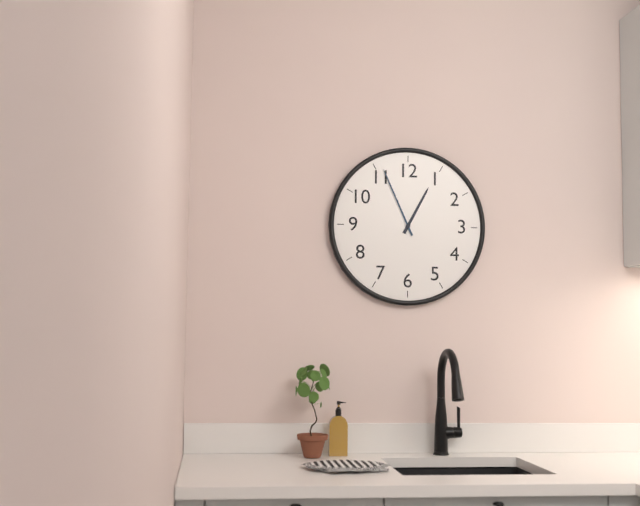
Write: 12:56
